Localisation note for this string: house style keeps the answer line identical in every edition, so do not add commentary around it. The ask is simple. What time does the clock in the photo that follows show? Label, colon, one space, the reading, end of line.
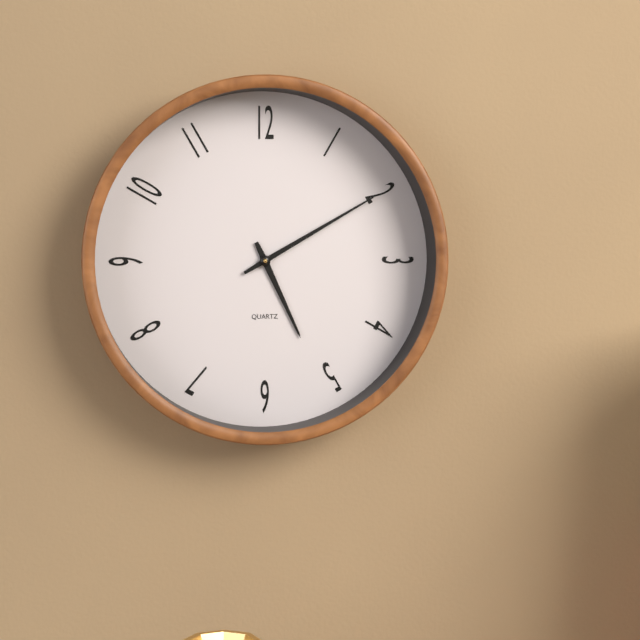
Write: 5:10
